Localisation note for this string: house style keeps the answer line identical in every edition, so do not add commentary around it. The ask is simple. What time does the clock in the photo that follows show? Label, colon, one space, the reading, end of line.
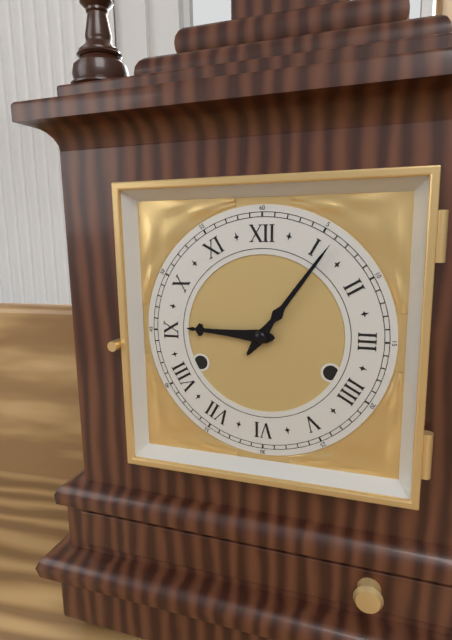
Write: 9:06
